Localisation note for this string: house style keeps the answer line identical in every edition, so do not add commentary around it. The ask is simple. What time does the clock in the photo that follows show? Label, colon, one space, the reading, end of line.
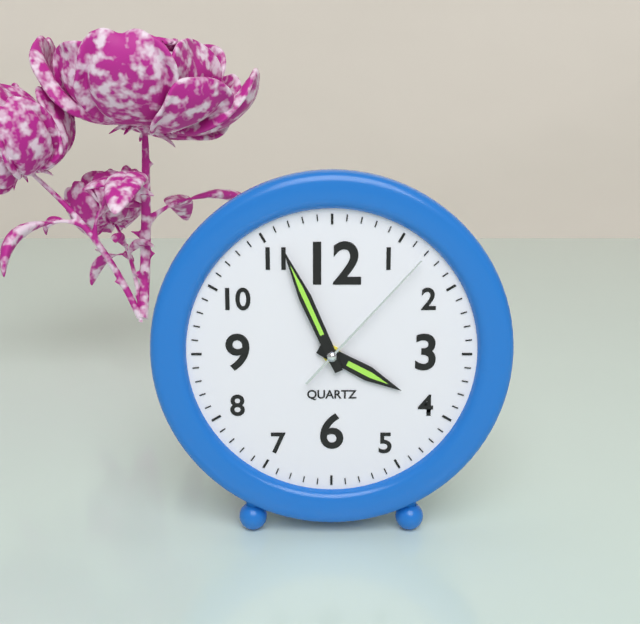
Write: 3:56:07
